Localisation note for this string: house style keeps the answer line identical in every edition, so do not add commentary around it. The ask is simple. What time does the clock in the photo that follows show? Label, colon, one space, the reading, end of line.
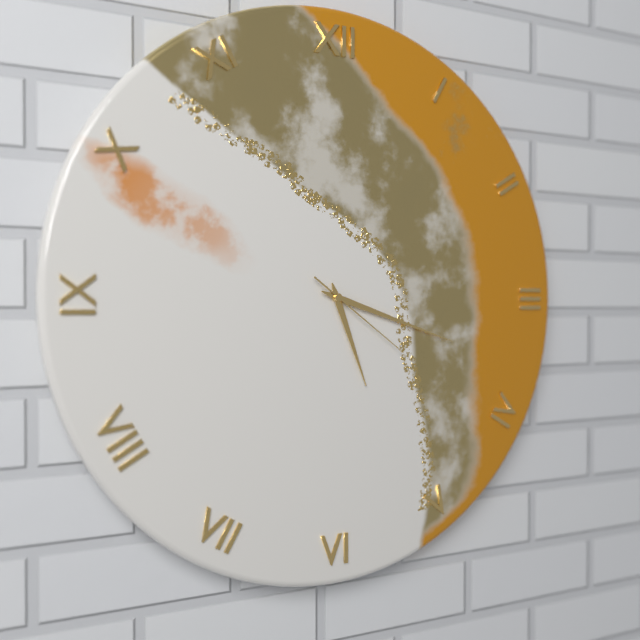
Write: 5:18:21
